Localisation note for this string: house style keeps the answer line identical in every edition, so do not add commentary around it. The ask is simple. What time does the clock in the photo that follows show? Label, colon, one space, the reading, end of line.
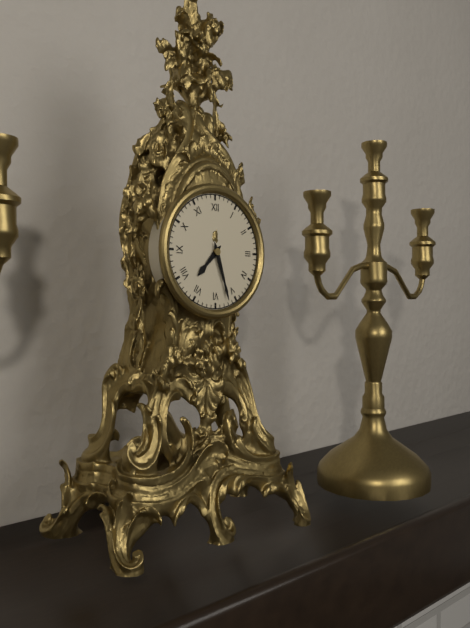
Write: 7:27
